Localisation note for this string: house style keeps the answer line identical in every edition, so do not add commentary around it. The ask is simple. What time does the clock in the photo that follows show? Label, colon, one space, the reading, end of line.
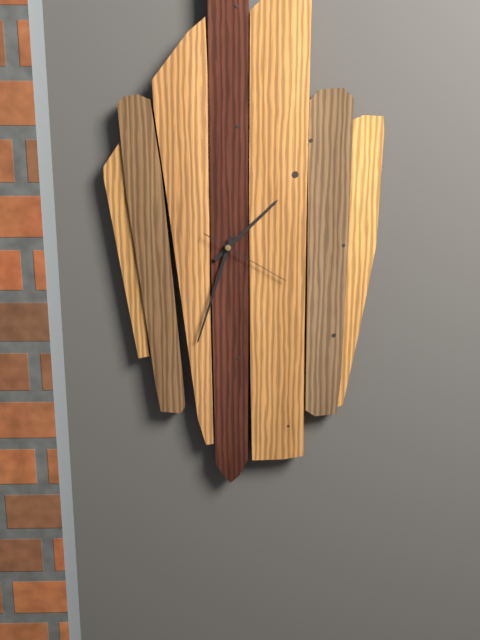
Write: 1:33:20
